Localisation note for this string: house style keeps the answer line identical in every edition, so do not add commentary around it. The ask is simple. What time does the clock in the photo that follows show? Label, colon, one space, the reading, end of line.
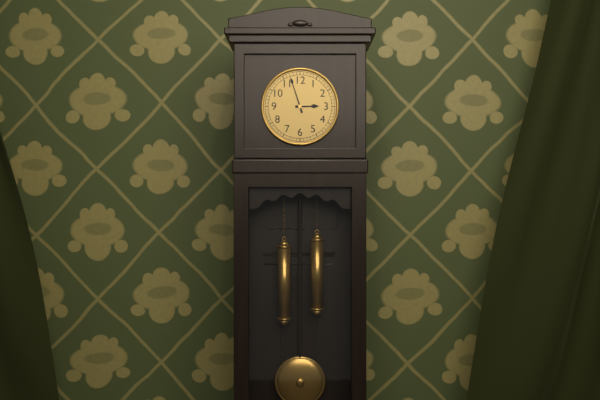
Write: 2:57
